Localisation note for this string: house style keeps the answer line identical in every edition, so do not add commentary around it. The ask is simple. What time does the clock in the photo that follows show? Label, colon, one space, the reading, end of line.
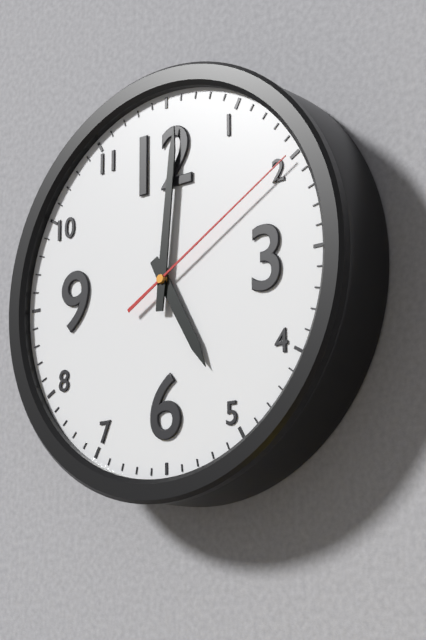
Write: 5:01:10
